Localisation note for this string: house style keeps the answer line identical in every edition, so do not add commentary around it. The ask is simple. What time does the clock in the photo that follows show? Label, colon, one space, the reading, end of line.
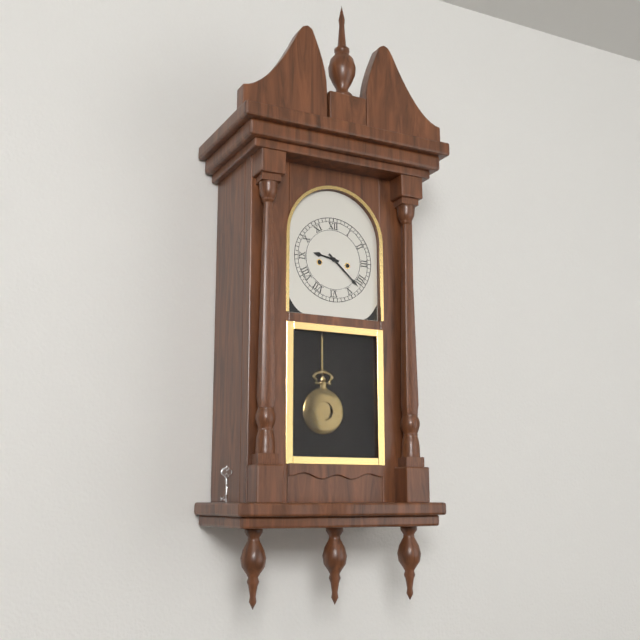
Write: 9:22
